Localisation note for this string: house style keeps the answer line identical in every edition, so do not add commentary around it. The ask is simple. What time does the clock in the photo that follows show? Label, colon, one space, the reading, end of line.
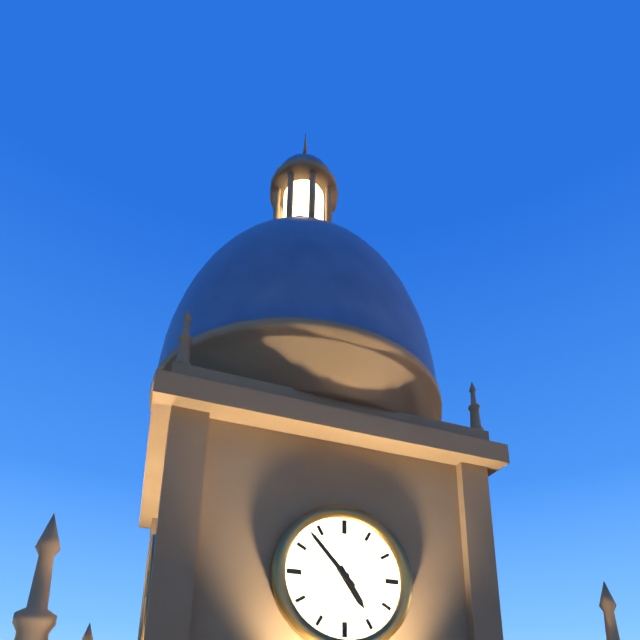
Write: 4:53
